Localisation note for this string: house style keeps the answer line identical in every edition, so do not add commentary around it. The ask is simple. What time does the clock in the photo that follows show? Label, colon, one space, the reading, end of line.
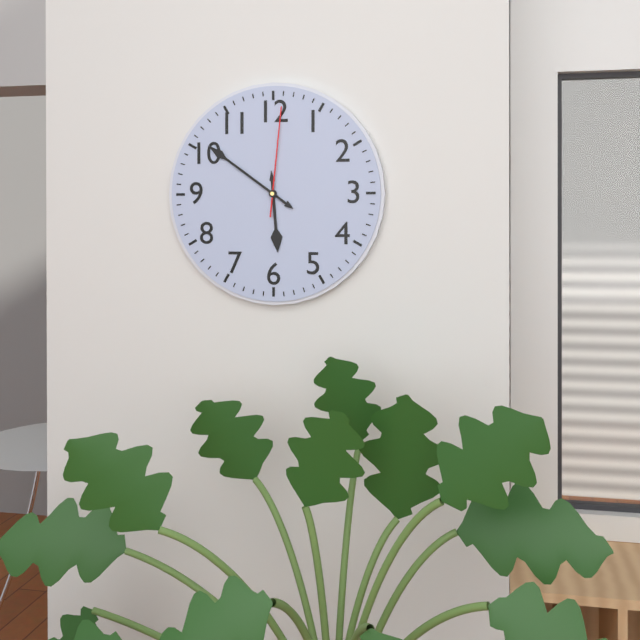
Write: 5:51:01
